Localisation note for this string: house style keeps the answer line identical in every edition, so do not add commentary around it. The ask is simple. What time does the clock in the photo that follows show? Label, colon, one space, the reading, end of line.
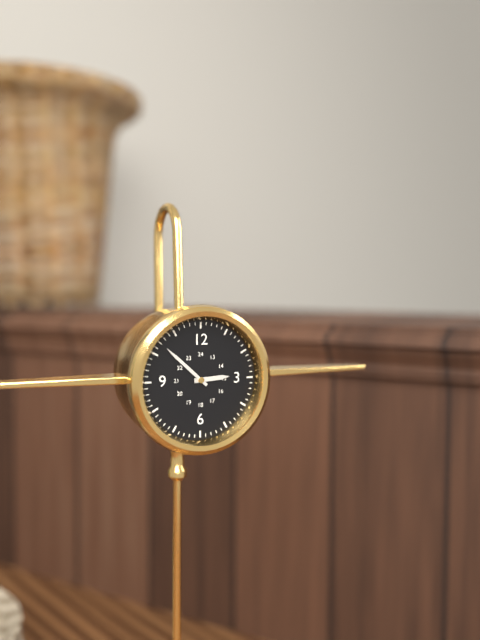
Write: 2:52
